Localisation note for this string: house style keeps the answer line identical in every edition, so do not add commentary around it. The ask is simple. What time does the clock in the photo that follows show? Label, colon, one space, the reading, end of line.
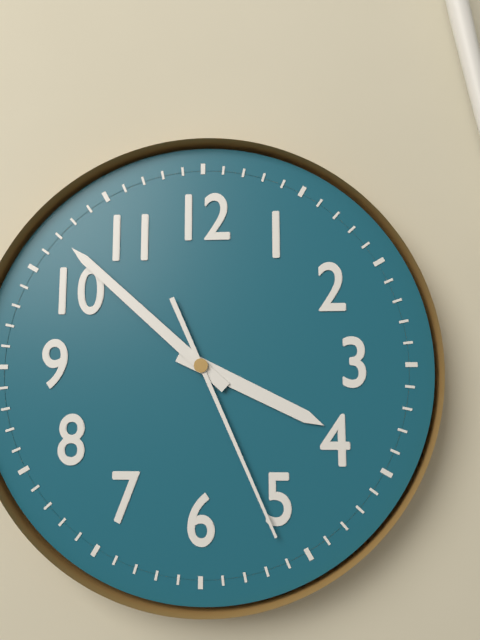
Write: 3:52:26
